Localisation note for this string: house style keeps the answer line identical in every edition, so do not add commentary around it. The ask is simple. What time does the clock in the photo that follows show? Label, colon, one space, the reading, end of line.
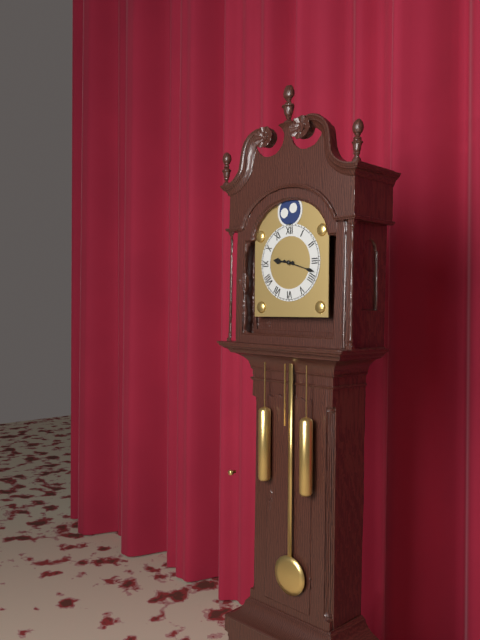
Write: 9:18
